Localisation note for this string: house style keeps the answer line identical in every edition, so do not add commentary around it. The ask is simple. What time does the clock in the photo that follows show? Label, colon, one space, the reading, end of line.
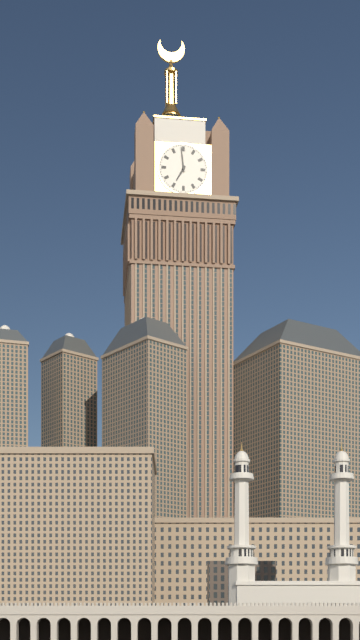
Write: 6:59
